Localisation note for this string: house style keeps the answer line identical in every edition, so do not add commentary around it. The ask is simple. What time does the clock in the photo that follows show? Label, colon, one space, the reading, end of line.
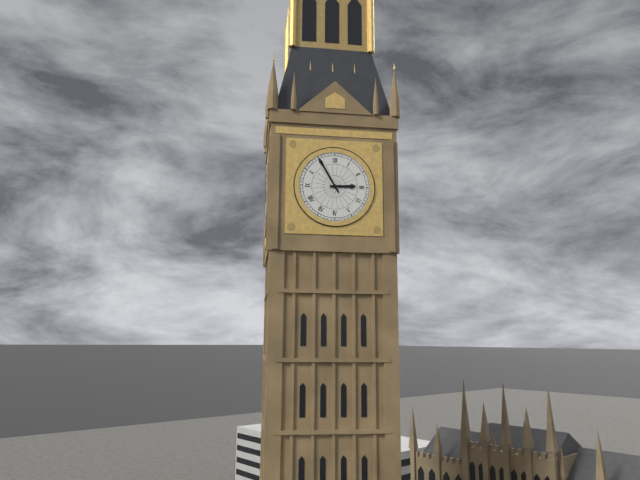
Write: 2:55
